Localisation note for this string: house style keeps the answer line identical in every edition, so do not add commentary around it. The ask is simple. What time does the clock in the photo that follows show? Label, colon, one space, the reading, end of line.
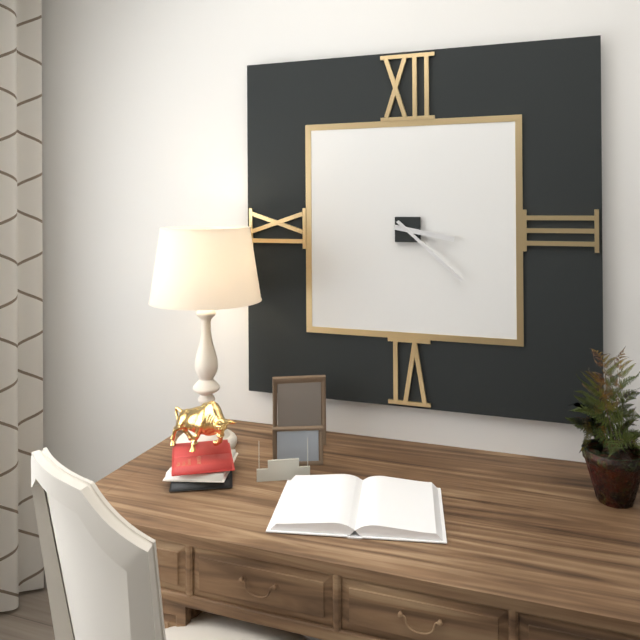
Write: 3:22
